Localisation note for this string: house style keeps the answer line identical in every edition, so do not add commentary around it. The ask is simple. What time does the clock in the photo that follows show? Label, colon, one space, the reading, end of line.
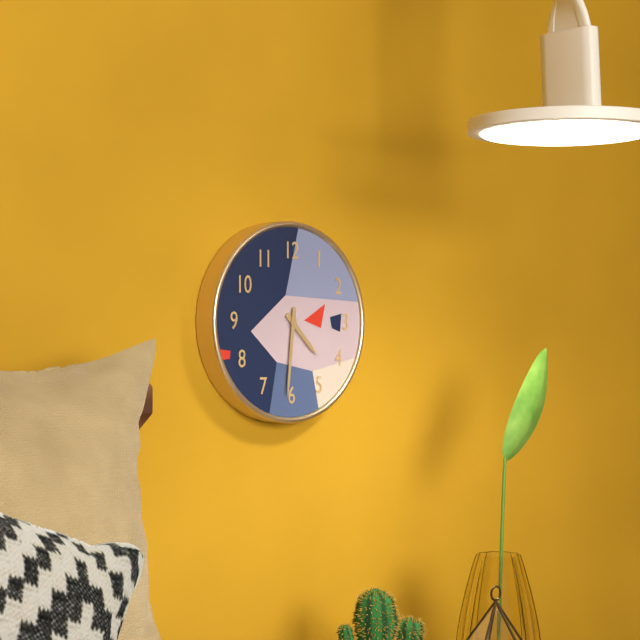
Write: 4:31
